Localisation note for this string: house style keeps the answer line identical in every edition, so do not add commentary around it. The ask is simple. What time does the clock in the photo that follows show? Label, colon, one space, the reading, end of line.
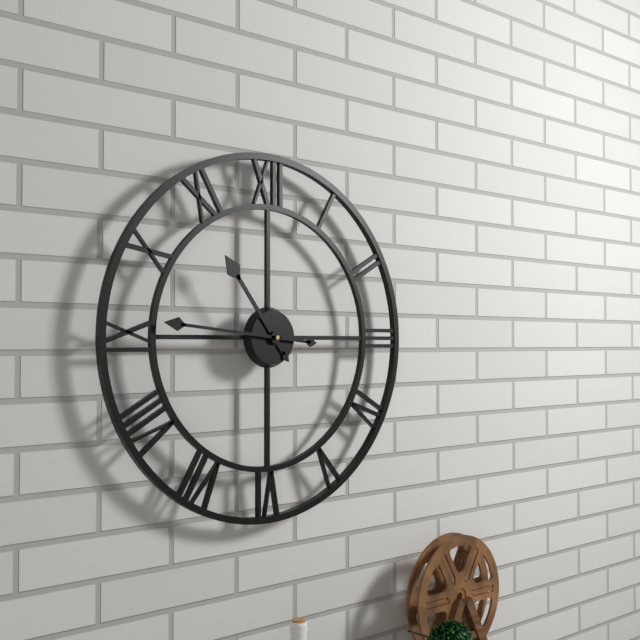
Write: 10:46
